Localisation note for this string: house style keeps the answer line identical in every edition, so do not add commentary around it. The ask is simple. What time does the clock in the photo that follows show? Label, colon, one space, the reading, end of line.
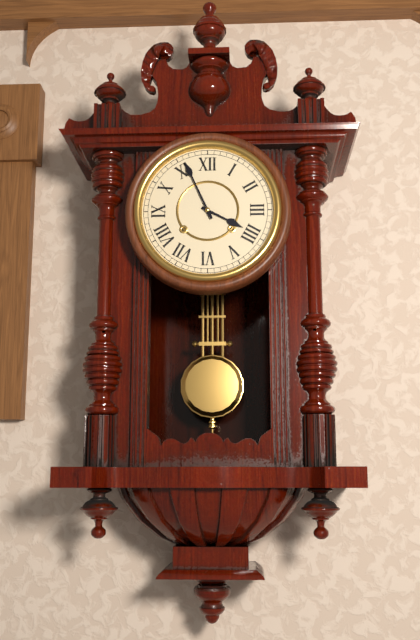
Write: 3:56
